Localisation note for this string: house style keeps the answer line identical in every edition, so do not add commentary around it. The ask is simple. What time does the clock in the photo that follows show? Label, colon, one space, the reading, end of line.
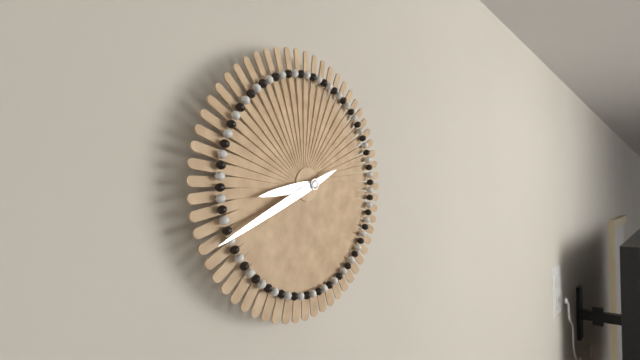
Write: 8:41
